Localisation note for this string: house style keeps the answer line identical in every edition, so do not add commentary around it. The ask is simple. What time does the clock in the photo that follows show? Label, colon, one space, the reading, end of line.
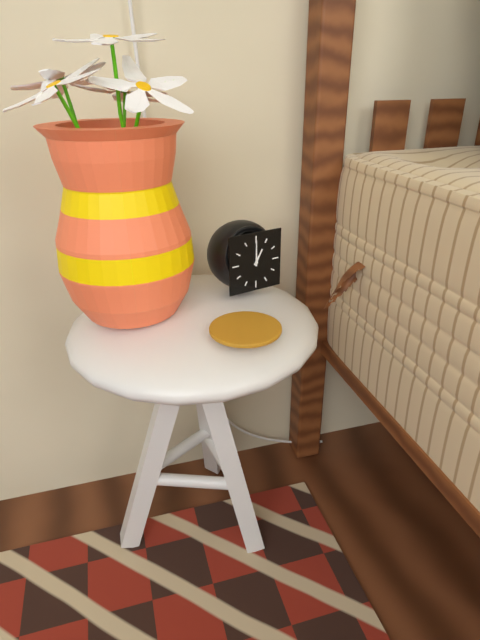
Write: 1:00
